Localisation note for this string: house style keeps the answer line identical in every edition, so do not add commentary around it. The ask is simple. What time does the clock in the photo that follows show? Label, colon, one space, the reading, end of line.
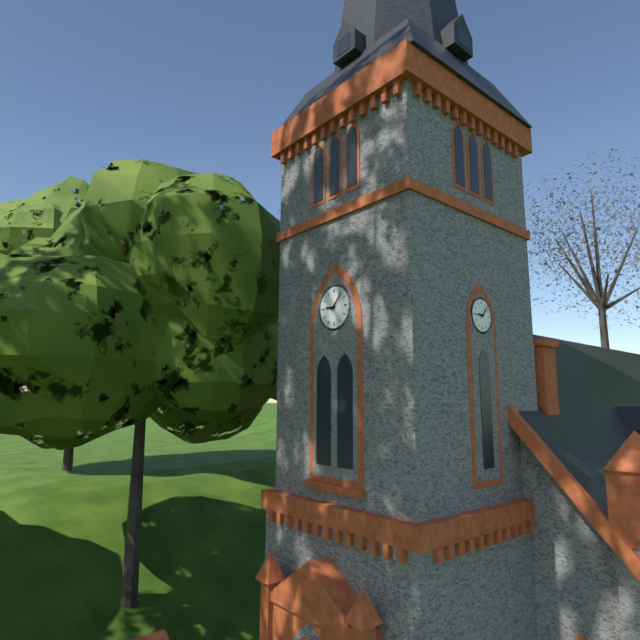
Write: 9:07
